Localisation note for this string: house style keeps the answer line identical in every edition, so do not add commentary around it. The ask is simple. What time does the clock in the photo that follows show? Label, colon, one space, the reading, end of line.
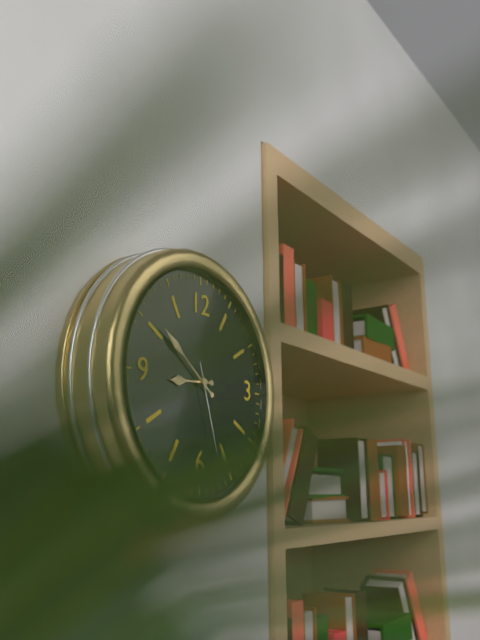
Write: 8:51:27
